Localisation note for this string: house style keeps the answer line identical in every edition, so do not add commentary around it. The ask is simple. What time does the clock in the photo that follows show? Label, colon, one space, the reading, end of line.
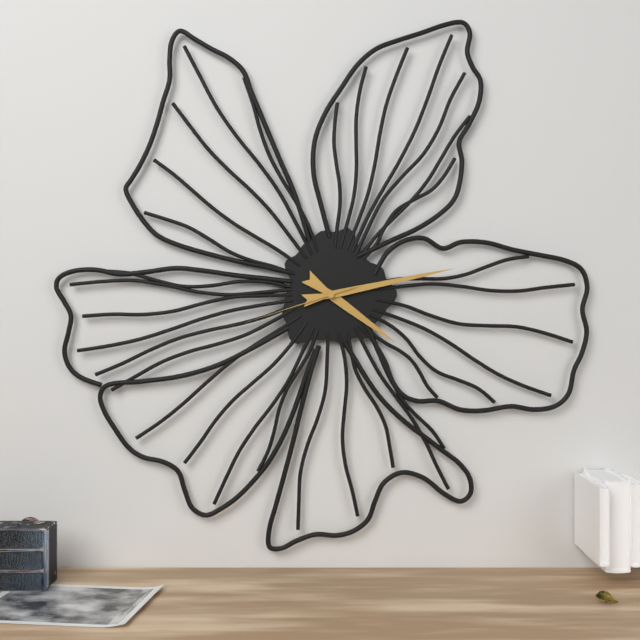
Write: 4:13:42
